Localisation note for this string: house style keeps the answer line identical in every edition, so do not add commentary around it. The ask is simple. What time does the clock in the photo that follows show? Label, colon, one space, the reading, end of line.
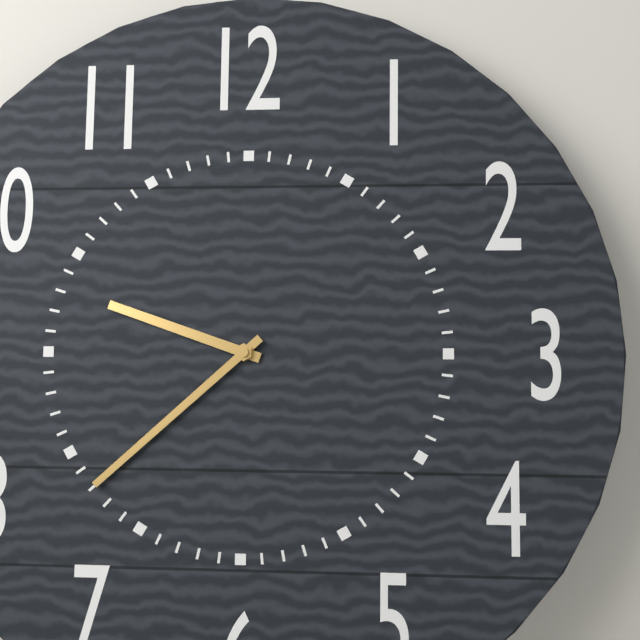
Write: 9:38
